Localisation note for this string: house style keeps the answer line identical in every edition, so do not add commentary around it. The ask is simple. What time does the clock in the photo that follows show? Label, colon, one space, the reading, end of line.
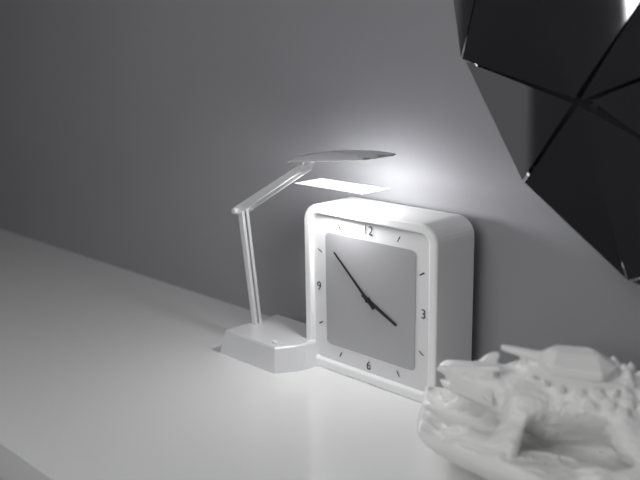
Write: 3:52
